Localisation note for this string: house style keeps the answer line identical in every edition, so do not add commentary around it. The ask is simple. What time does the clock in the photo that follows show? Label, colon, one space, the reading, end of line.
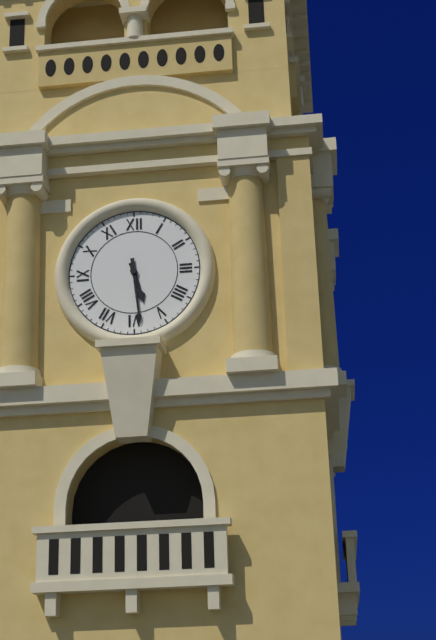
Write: 5:29
